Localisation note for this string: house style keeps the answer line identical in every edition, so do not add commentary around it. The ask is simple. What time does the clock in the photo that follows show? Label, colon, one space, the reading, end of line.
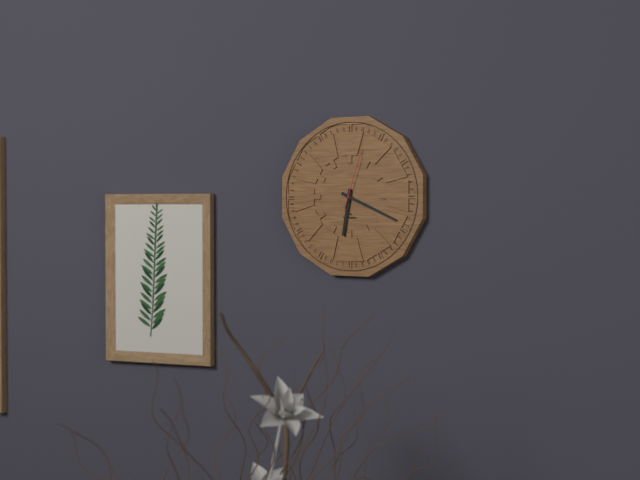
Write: 6:19:03
